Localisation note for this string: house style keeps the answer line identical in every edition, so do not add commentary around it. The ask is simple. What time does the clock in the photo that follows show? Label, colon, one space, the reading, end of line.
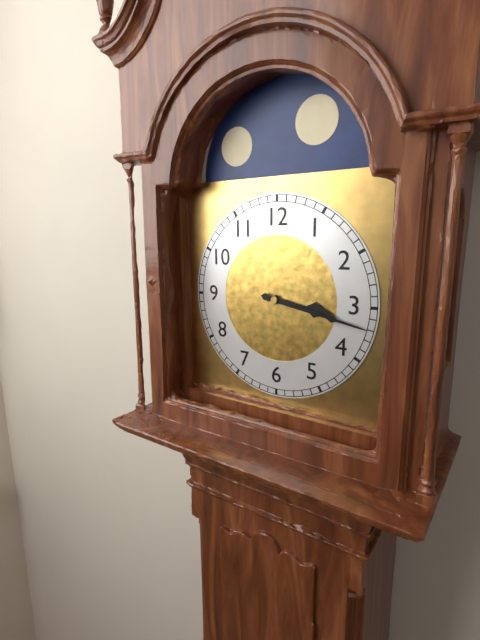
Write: 3:17
